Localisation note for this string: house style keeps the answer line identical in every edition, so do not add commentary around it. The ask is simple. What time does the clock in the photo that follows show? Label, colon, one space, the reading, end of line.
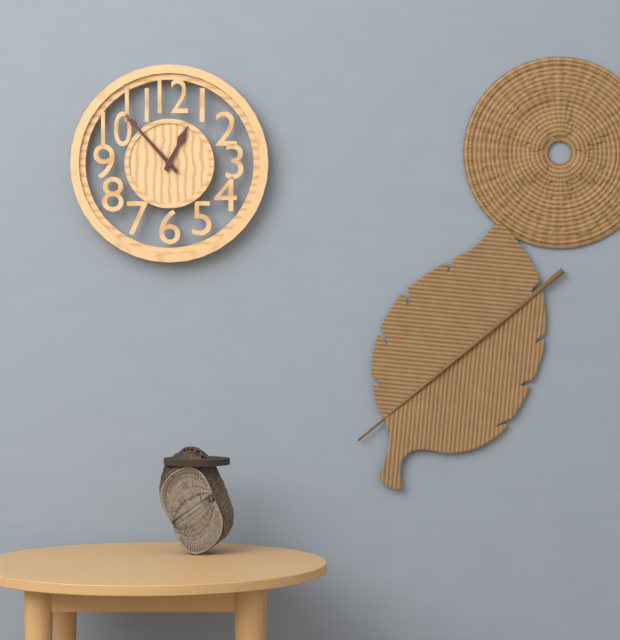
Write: 12:53
